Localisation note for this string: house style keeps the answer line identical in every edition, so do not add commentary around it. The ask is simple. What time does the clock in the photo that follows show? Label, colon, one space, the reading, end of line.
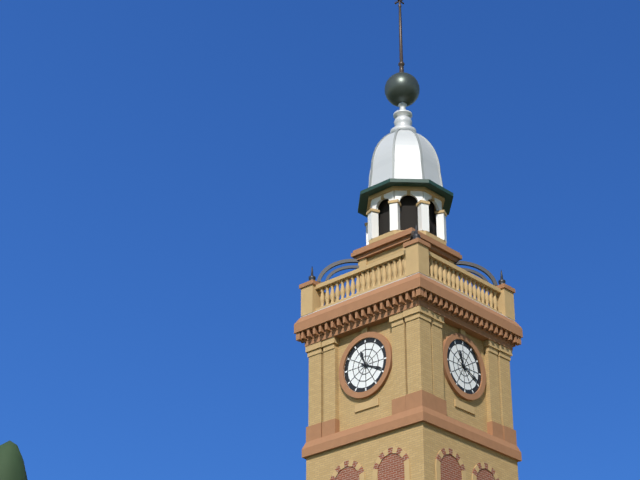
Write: 11:19
